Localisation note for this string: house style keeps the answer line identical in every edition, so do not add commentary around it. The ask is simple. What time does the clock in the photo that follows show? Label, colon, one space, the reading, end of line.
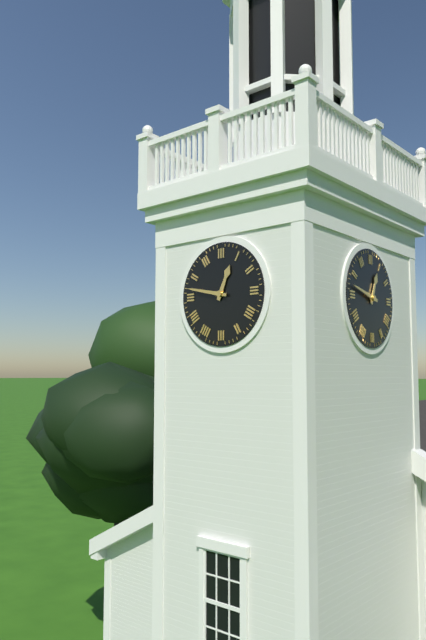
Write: 12:47
